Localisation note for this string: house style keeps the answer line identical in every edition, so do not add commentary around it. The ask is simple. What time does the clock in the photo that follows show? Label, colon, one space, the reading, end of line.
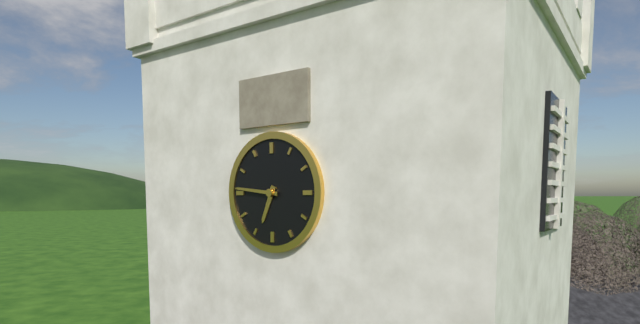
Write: 6:46
